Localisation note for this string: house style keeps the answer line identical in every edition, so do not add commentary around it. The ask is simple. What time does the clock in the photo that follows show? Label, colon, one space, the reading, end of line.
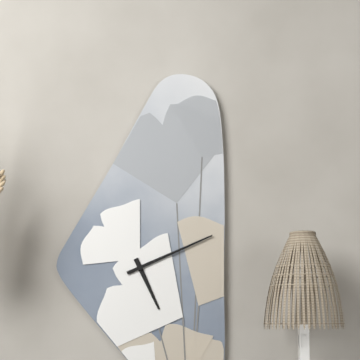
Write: 5:11
